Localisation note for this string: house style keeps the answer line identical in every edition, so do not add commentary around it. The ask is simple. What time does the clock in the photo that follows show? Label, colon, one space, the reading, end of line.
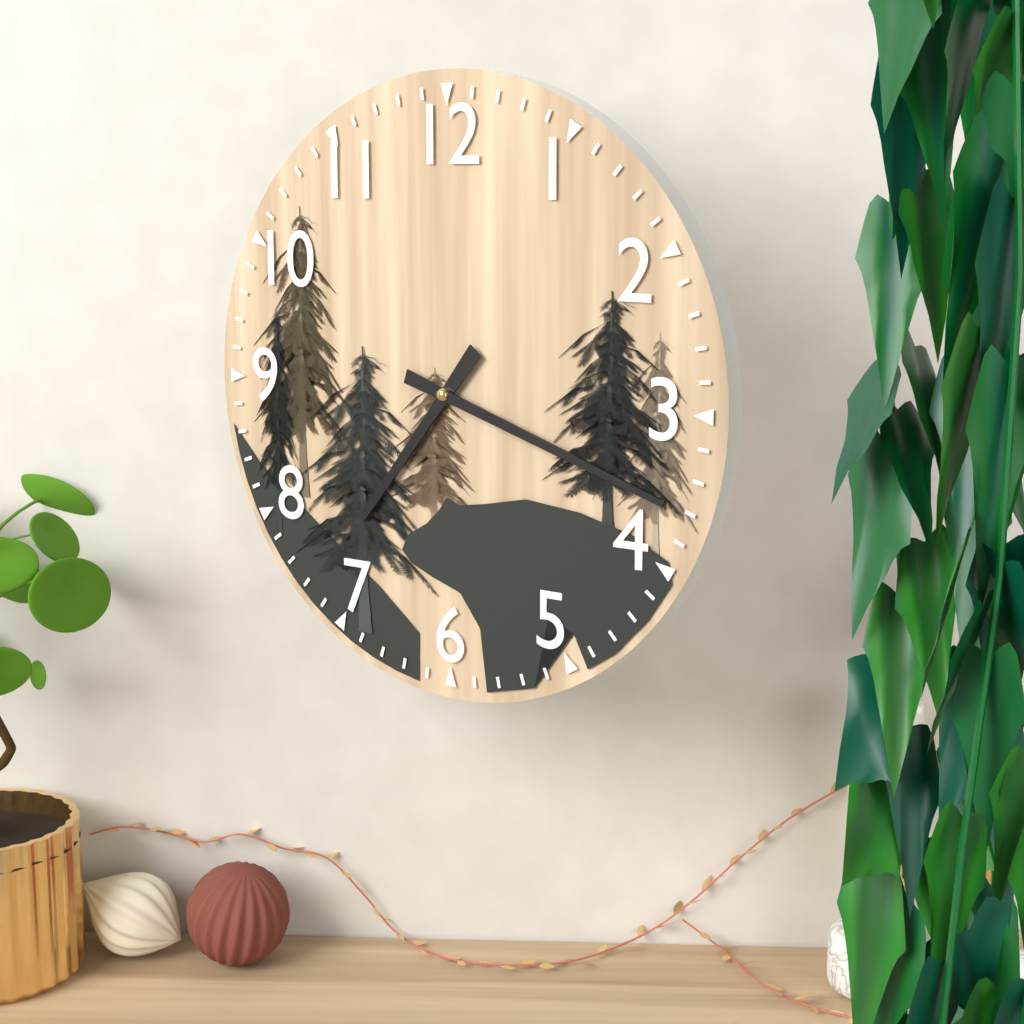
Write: 7:18
